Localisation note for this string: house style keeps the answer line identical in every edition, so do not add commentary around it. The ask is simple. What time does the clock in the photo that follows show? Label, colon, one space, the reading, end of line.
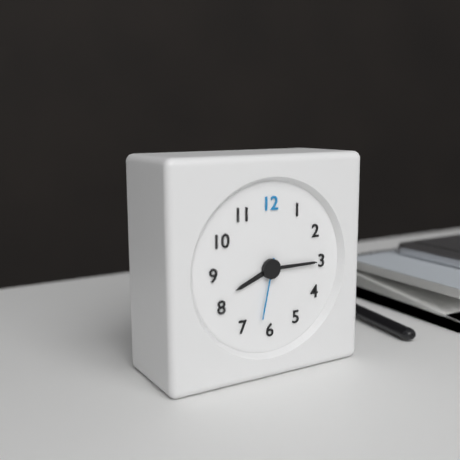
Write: 8:15:32
